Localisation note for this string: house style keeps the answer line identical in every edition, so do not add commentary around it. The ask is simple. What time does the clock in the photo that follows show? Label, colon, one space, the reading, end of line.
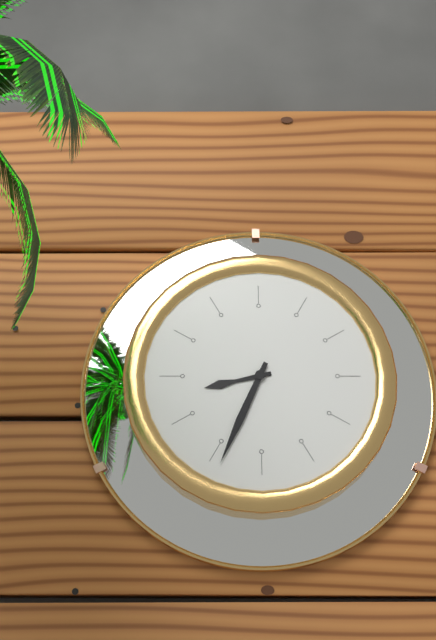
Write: 8:34
